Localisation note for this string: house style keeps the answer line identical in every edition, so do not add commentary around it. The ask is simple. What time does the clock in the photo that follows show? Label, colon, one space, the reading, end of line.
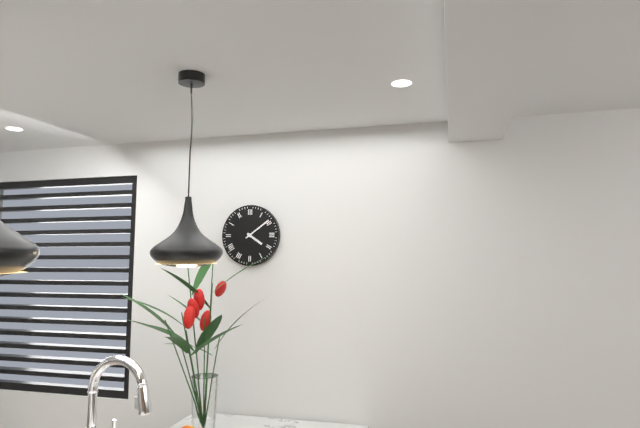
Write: 4:09
